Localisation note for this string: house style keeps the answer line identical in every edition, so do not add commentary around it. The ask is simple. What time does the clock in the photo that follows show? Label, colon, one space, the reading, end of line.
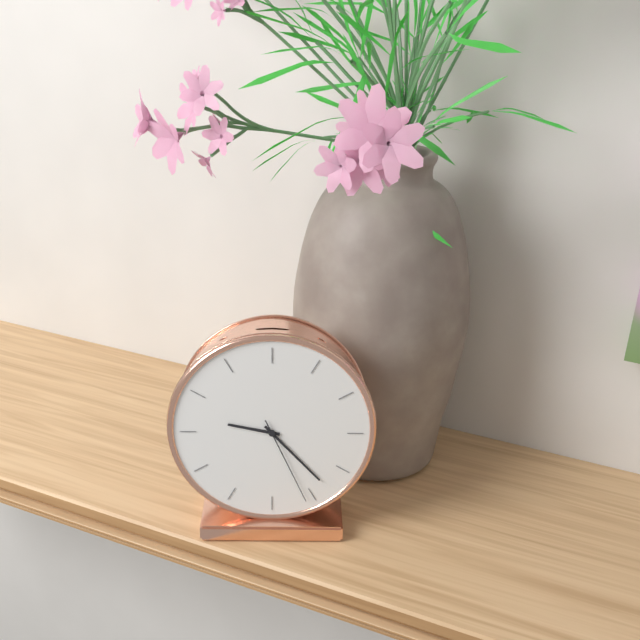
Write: 9:23:26
